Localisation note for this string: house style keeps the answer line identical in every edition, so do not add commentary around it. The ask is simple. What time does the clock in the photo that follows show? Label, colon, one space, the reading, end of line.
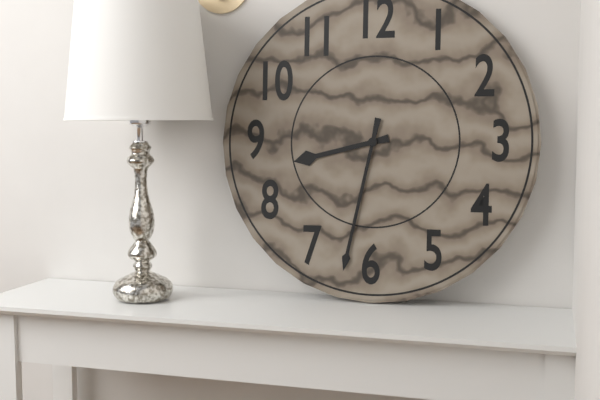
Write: 8:32
